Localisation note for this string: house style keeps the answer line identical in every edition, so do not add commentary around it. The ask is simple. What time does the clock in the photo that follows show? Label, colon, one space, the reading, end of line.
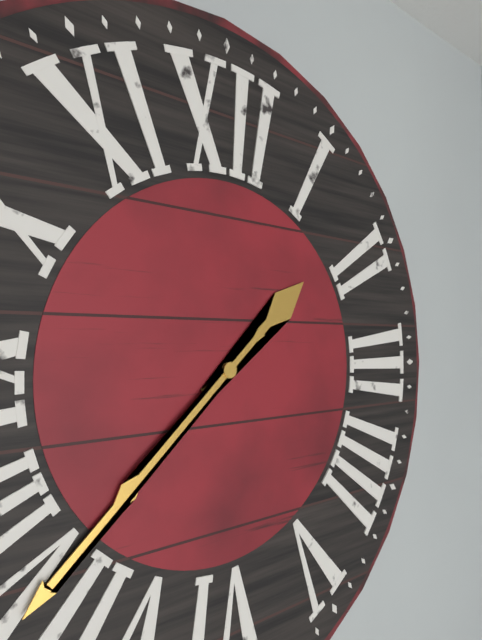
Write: 1:38
